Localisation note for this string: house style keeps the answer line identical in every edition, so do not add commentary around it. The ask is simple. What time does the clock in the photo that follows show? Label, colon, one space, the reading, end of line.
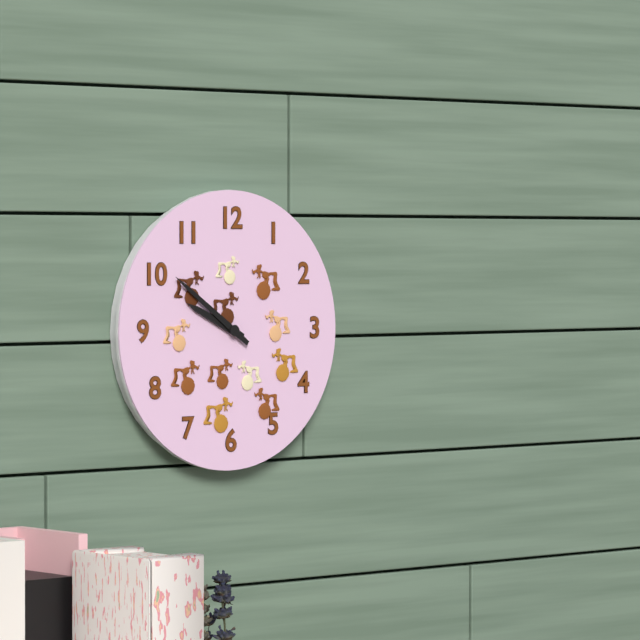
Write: 9:51
